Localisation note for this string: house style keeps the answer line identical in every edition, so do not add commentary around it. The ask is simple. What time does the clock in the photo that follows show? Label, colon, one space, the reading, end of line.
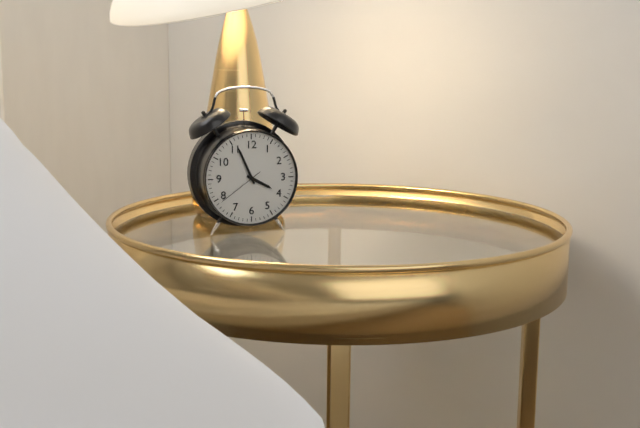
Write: 3:56
